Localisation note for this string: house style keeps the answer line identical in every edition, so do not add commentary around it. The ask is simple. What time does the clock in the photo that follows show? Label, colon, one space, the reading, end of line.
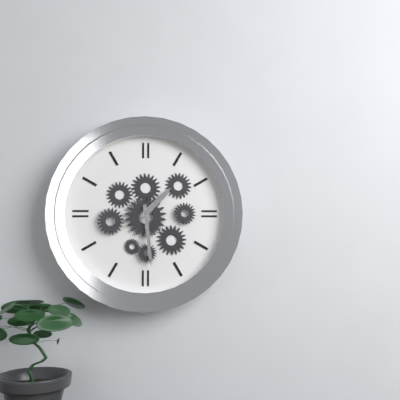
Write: 1:29
